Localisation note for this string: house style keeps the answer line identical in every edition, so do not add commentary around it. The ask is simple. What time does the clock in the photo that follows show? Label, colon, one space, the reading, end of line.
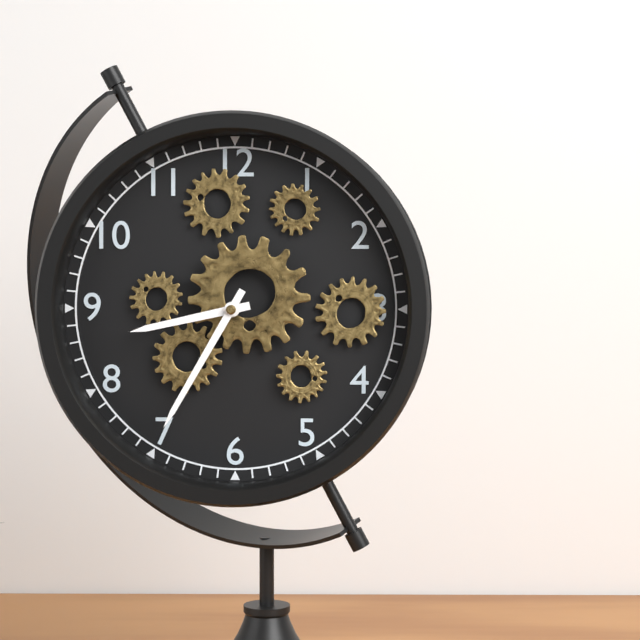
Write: 8:35
